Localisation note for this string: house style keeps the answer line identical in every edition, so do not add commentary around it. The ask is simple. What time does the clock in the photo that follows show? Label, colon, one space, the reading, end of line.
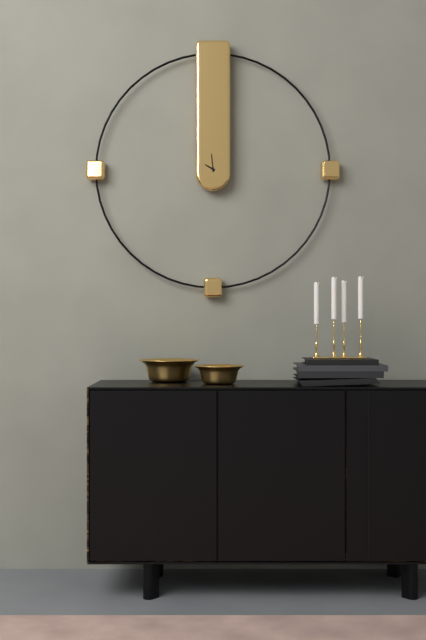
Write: 9:59
